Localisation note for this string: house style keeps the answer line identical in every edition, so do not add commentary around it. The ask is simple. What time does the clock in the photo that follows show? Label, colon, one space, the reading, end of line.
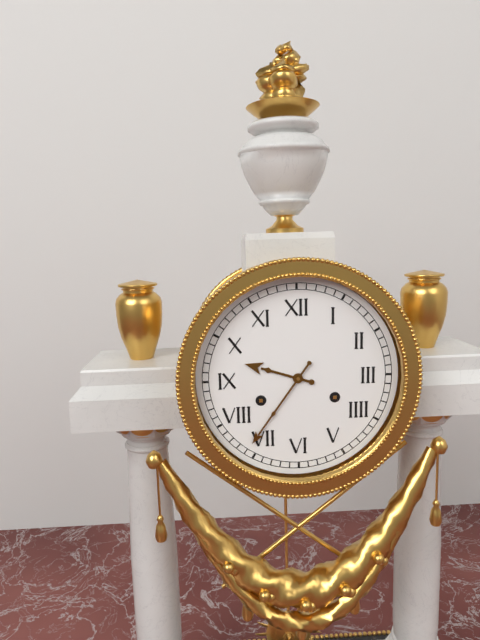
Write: 9:36
